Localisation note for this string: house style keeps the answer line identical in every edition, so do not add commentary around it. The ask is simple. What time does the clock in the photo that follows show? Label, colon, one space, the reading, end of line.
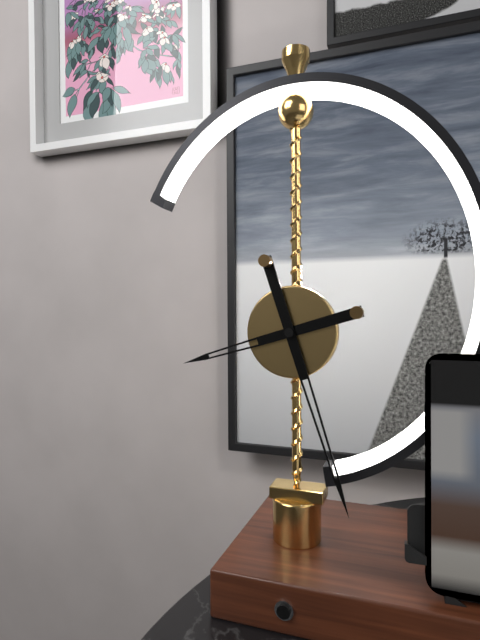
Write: 8:27
